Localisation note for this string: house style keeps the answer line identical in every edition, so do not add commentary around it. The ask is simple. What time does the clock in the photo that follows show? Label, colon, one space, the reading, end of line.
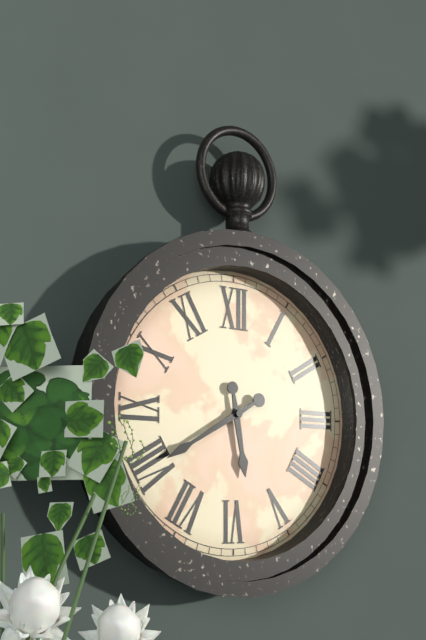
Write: 5:40
